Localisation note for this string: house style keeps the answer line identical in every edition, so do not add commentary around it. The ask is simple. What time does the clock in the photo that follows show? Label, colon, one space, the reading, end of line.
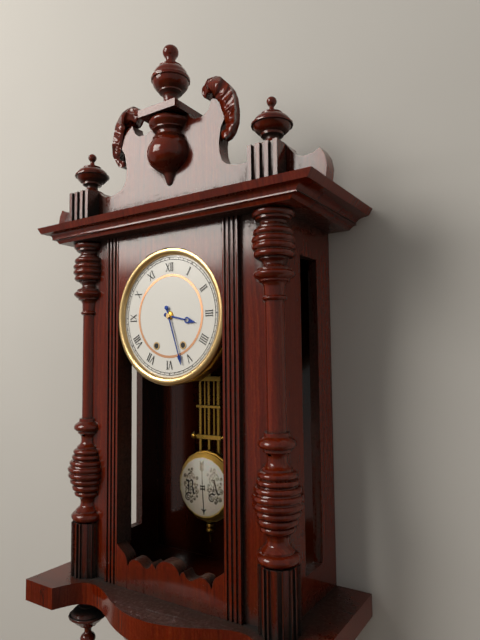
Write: 3:27
